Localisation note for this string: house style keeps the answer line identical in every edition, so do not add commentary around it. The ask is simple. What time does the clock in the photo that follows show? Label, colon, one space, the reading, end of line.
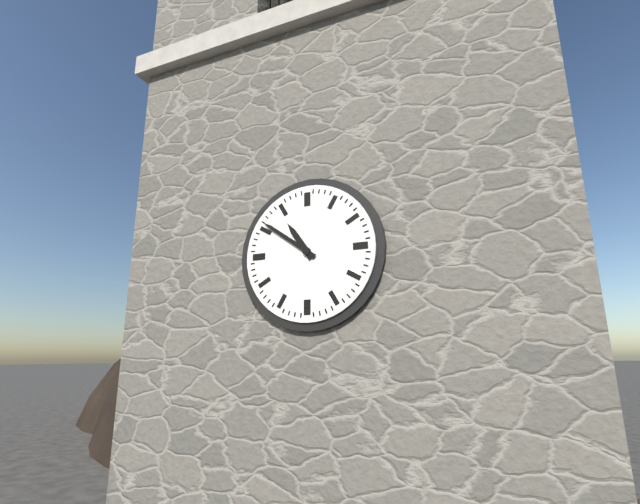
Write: 10:51
